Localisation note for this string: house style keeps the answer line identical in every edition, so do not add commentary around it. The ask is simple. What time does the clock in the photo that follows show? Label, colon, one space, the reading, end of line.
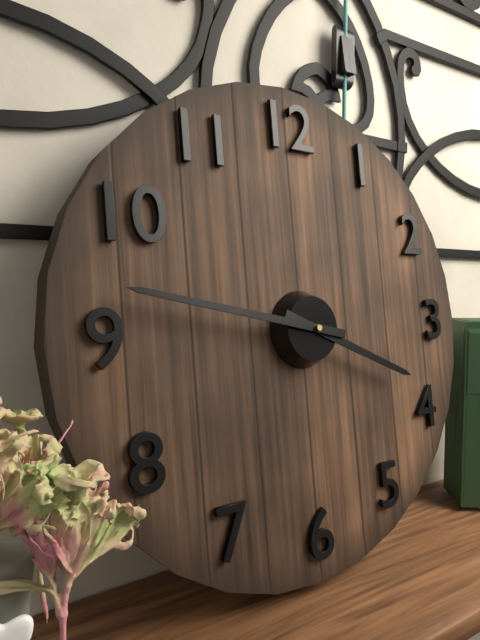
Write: 3:47
